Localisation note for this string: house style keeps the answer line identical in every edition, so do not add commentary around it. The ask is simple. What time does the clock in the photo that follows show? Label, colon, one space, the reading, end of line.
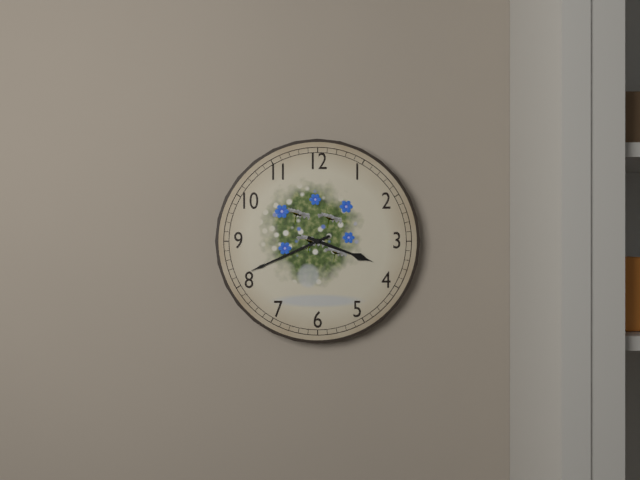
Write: 3:41
